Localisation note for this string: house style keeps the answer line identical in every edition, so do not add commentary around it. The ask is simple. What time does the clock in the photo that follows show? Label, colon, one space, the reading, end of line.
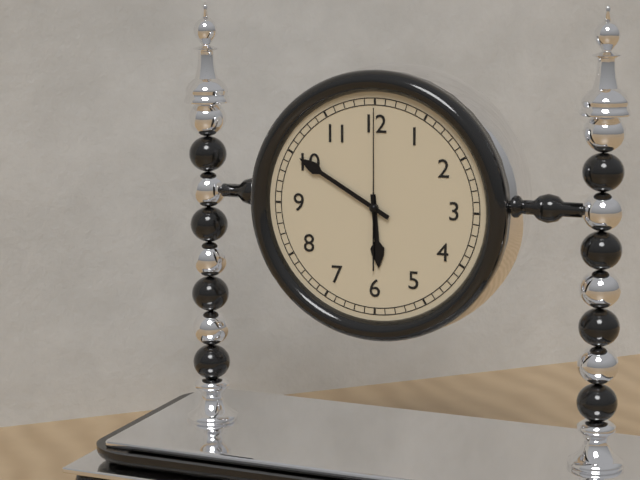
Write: 5:50:00
